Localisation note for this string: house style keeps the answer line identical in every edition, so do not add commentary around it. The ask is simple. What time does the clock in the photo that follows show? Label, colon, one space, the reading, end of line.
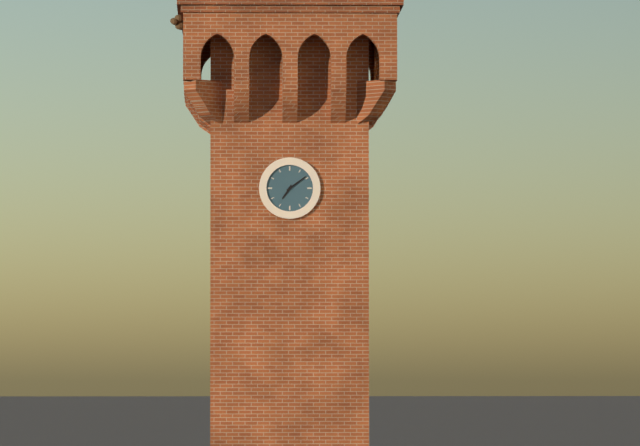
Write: 7:09
